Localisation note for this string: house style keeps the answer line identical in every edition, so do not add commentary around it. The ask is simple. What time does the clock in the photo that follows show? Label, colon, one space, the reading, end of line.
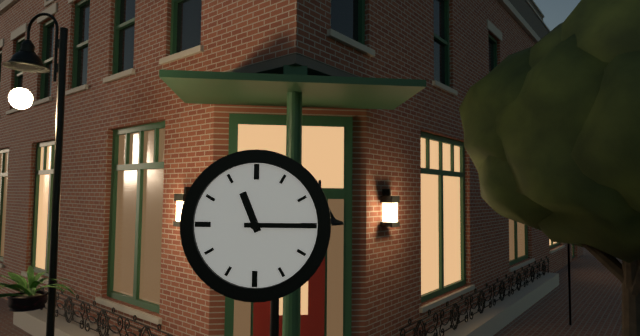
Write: 11:15
